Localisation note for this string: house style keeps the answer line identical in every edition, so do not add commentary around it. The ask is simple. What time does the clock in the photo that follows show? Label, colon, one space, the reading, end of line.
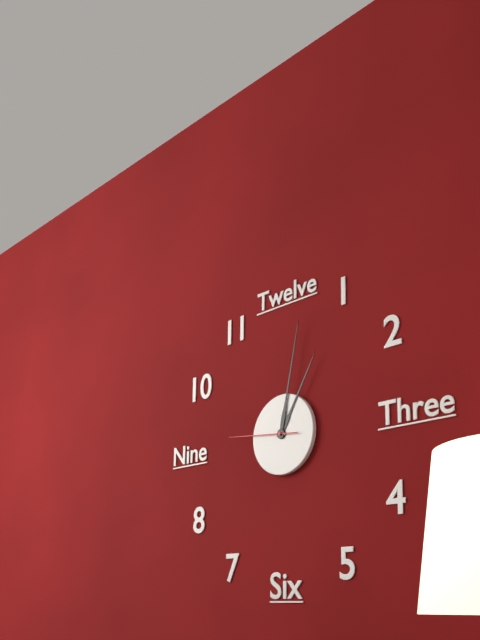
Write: 1:02:46
